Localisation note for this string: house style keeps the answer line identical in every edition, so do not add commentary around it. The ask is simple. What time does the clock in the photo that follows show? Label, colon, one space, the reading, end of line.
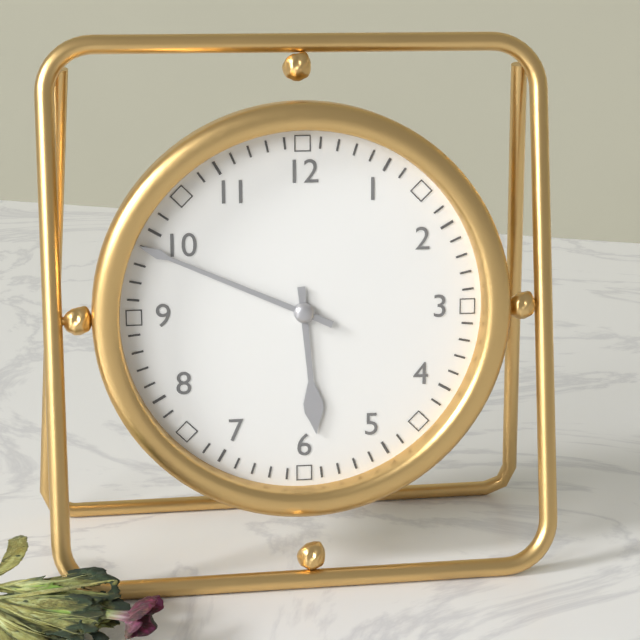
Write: 5:49
